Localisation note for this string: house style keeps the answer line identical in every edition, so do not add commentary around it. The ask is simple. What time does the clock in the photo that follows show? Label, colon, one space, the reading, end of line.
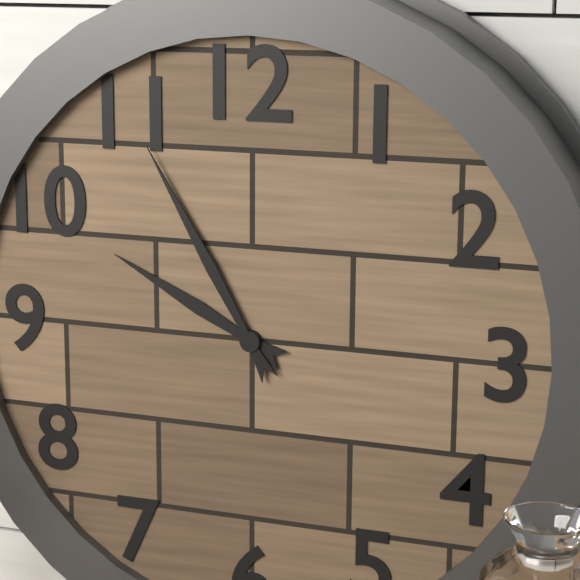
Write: 9:55
